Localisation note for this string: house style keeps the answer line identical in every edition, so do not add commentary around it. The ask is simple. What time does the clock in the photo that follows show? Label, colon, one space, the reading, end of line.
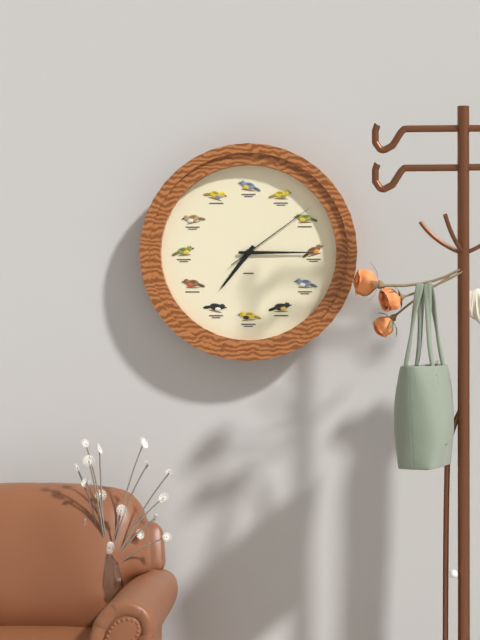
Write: 7:15:09
